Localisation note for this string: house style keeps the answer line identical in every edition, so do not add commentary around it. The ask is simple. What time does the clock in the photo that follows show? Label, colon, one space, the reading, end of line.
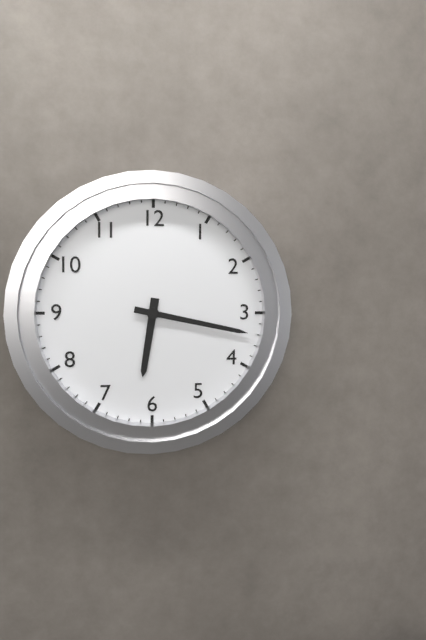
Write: 6:17
